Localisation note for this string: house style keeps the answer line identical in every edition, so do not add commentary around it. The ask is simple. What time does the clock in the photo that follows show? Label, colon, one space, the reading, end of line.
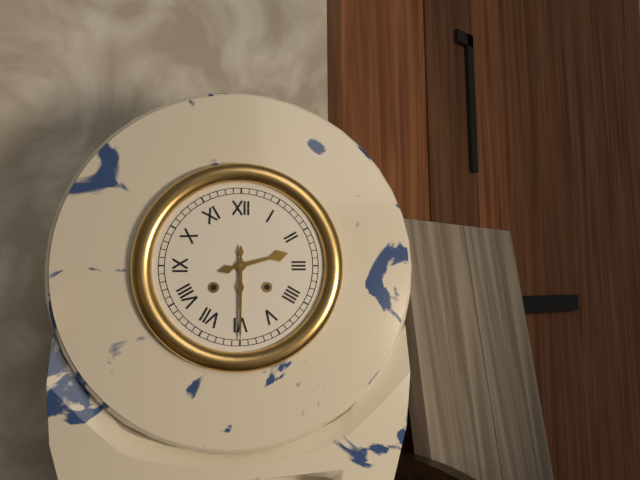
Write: 2:30
